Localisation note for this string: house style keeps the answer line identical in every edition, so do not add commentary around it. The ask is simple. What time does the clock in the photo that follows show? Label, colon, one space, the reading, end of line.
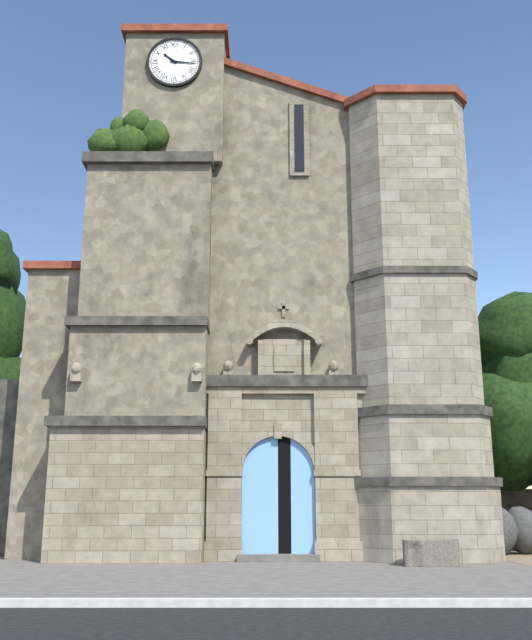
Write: 10:16
